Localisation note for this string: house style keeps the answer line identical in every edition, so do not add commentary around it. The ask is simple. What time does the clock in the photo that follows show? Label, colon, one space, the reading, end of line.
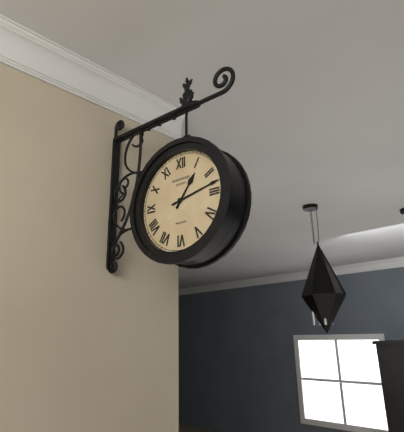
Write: 1:13
